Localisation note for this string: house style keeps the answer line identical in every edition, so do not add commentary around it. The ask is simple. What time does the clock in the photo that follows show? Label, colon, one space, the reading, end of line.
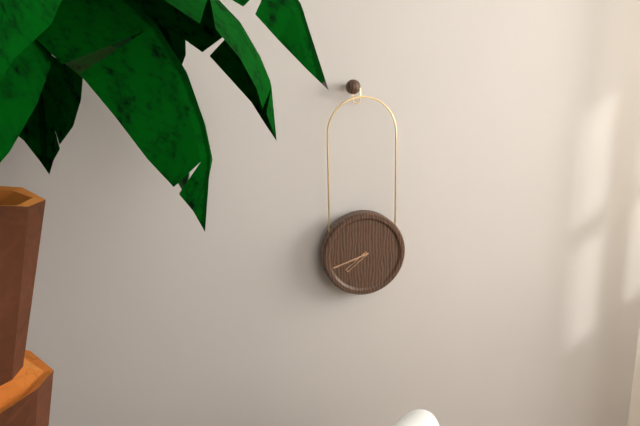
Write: 7:42
